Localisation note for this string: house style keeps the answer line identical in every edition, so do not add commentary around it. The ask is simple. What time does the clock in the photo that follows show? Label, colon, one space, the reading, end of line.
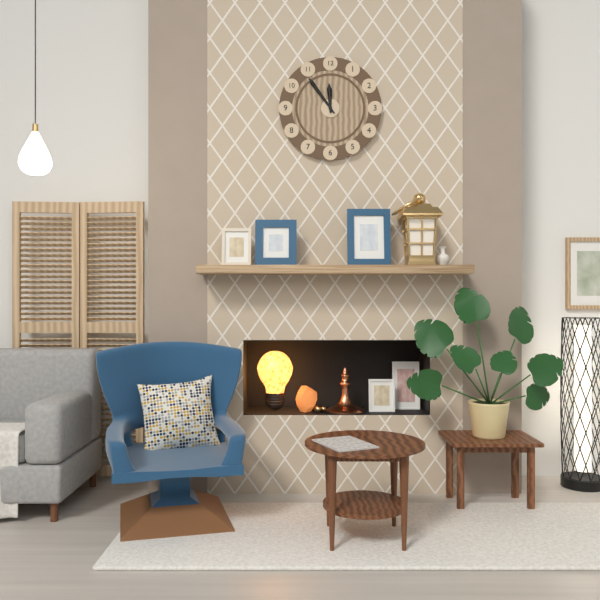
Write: 11:54
